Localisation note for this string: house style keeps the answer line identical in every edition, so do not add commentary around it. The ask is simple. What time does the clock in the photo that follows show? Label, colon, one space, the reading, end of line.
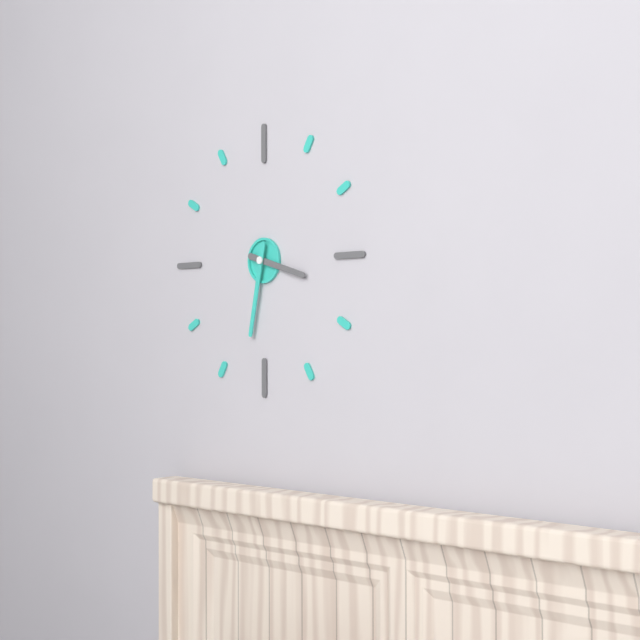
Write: 3:32
